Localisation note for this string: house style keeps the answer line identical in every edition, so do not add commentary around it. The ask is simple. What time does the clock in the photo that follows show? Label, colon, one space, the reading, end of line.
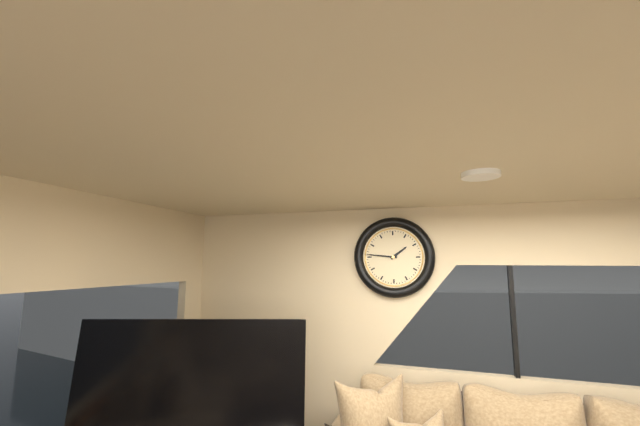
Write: 1:46
